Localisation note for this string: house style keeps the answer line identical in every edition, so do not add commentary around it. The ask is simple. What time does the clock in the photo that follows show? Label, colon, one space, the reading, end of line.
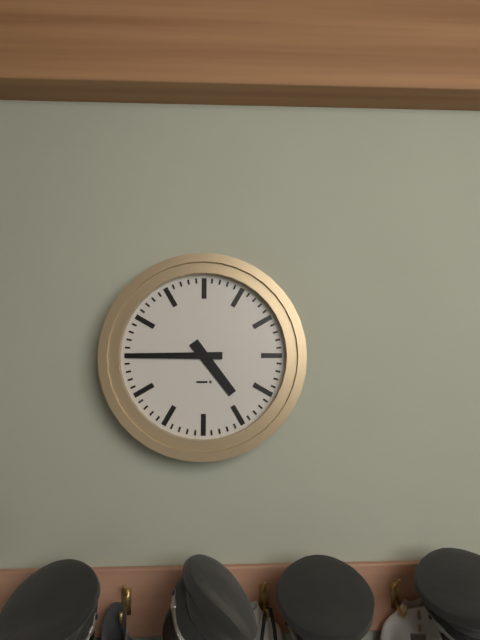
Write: 4:45
